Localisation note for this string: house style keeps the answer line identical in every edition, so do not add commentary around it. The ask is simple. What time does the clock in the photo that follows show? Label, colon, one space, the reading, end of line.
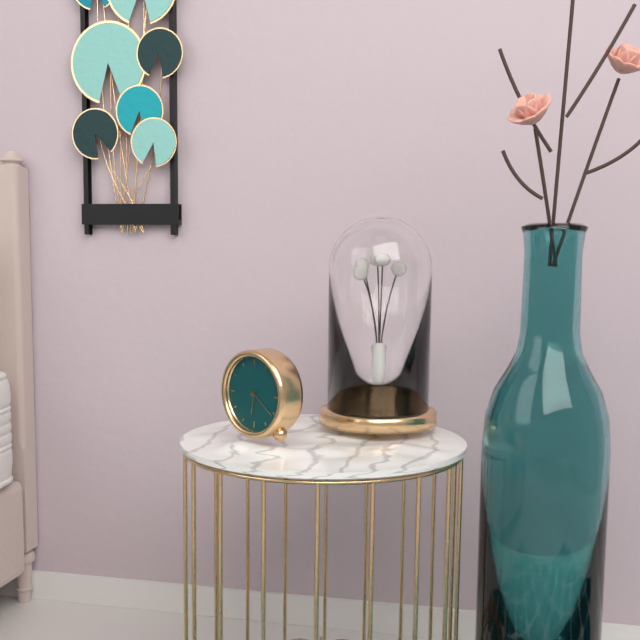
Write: 6:21
